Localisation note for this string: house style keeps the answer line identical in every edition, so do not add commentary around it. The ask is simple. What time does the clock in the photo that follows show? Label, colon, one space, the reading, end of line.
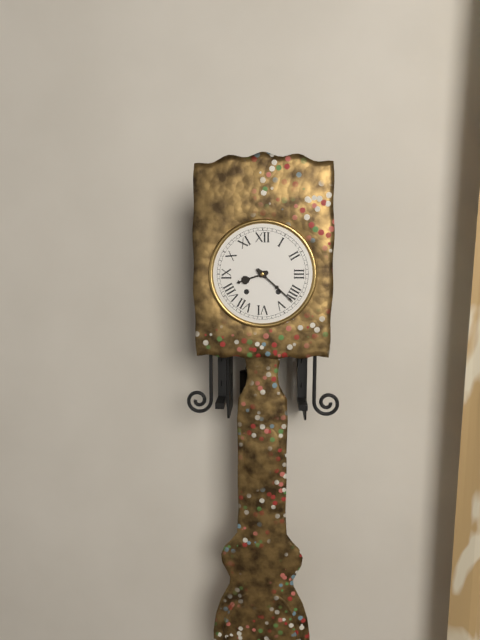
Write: 8:22
